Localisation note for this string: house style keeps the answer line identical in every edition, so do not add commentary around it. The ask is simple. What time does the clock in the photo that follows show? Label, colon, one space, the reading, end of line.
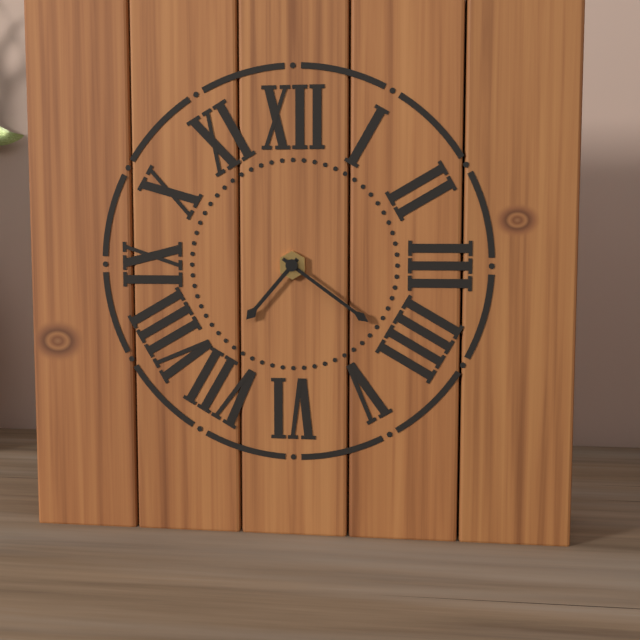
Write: 7:21
